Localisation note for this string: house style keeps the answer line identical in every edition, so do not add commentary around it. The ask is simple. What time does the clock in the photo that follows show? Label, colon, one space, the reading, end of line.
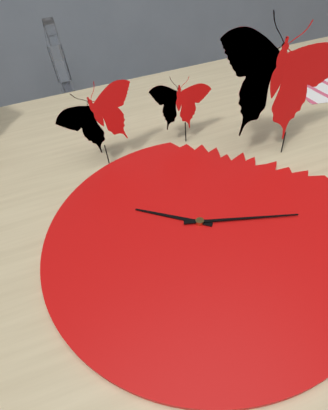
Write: 10:18
